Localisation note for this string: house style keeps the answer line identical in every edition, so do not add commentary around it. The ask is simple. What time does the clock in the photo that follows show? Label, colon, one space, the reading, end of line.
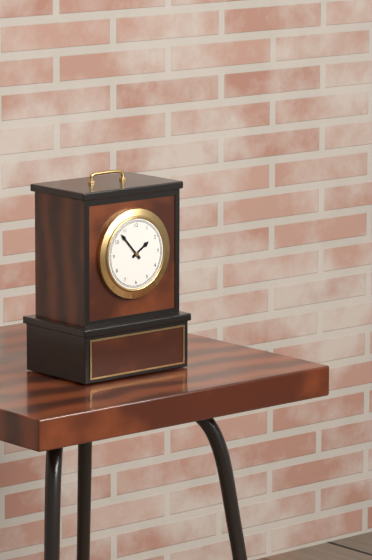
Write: 1:53
